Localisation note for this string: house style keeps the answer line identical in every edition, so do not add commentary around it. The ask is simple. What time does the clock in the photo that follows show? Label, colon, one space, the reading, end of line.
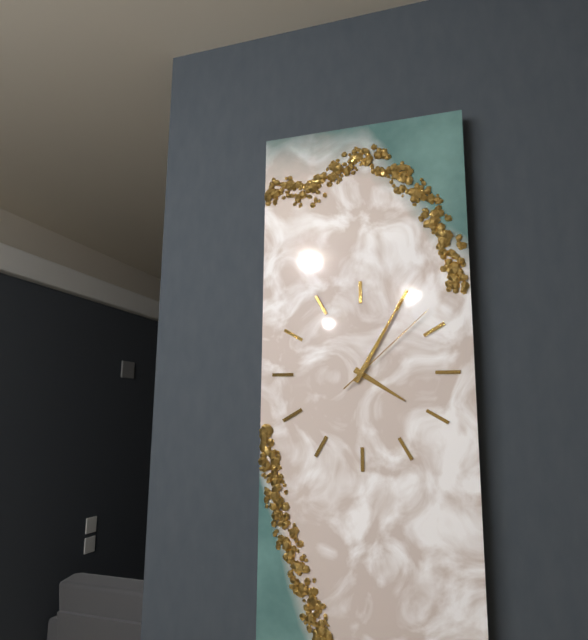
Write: 4:05:08
